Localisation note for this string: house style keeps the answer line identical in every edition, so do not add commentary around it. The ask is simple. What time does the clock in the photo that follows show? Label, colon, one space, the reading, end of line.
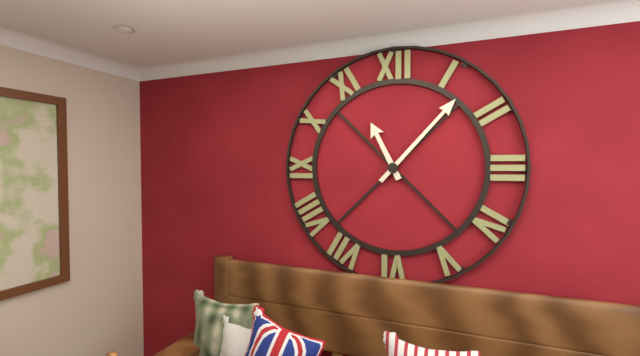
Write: 11:07
